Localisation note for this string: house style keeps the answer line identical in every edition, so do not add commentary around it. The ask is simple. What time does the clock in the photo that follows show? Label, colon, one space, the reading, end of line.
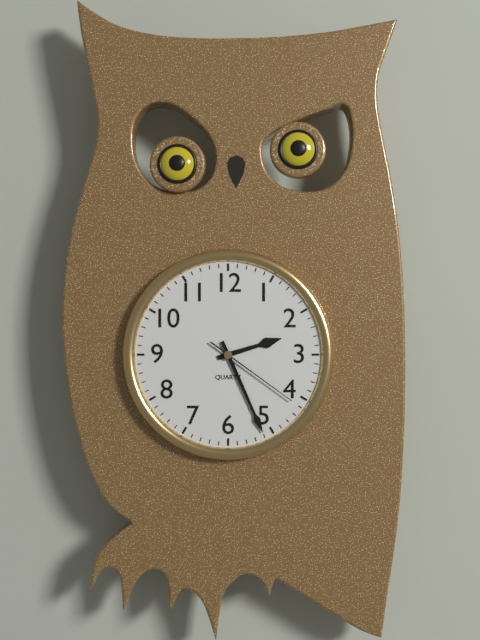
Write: 2:26:21
